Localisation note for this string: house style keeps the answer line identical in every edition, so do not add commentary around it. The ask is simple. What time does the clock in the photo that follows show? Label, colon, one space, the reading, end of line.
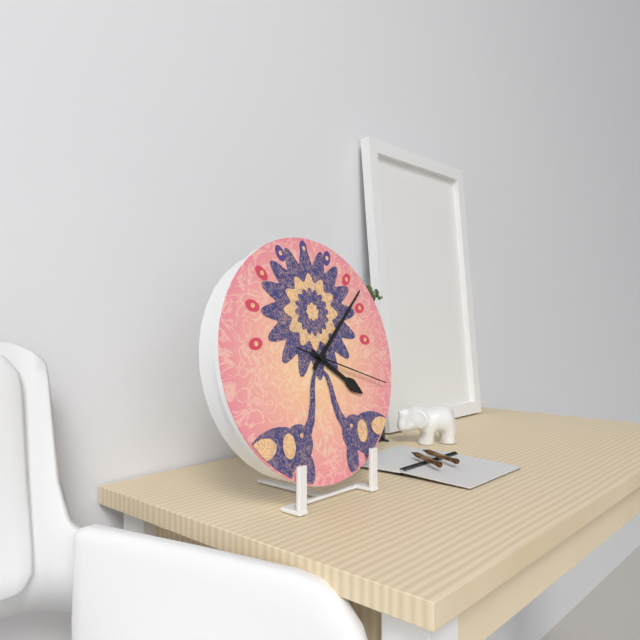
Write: 4:08:18
